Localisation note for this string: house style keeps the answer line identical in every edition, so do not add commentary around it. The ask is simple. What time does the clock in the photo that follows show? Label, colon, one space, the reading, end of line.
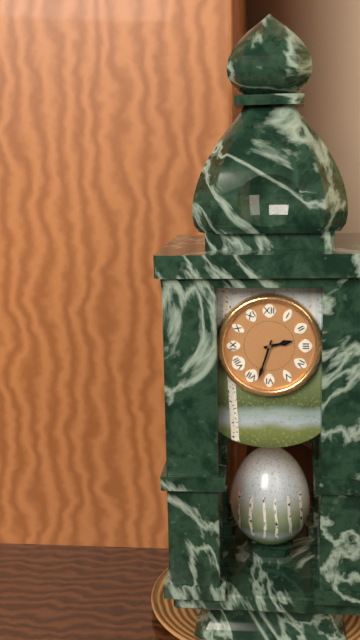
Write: 2:33
